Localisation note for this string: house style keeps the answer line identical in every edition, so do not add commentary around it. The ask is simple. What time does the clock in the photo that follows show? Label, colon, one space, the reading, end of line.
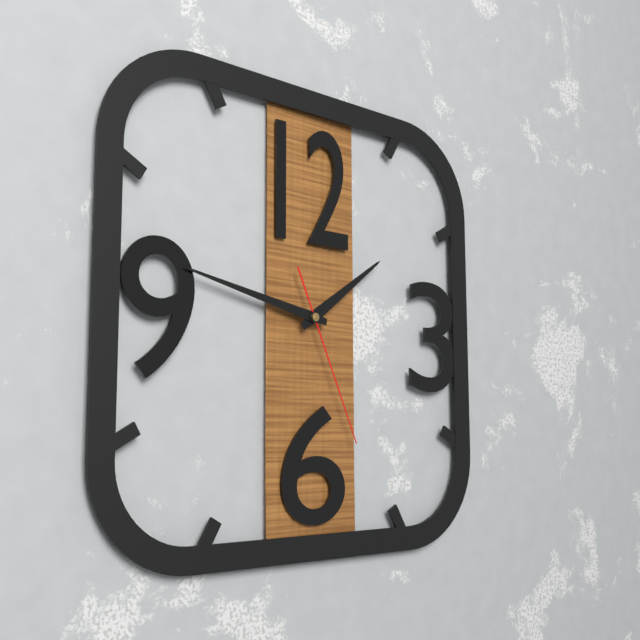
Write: 1:47:26
